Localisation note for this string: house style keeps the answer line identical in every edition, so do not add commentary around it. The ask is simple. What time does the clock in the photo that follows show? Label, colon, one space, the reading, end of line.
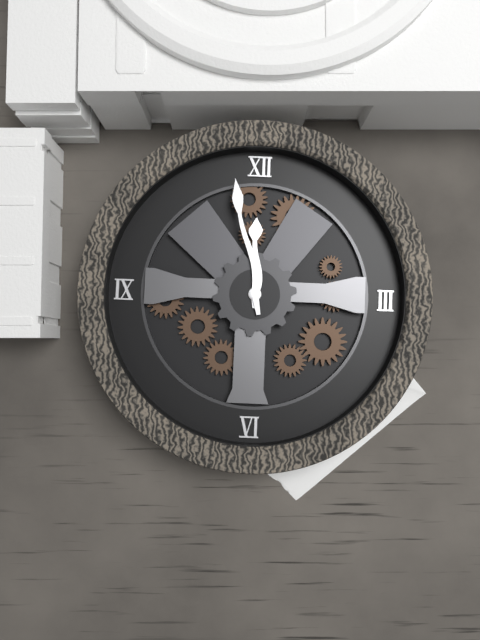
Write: 11:58
